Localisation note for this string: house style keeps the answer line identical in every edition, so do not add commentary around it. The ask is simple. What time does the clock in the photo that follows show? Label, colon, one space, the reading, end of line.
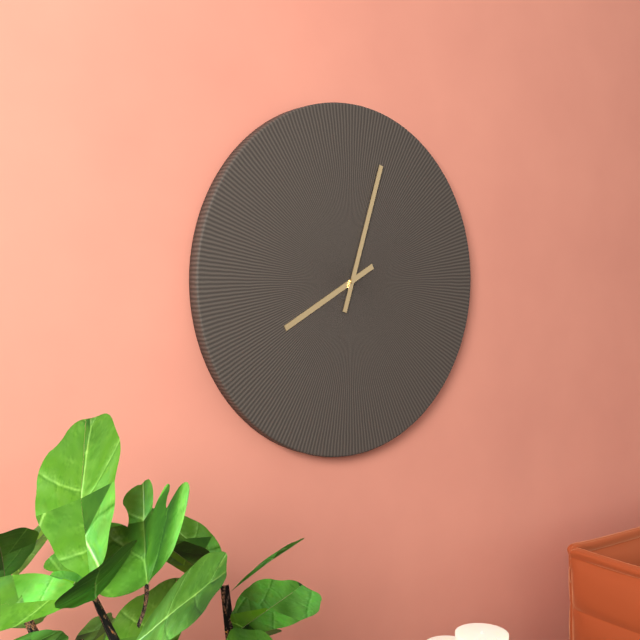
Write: 8:03
